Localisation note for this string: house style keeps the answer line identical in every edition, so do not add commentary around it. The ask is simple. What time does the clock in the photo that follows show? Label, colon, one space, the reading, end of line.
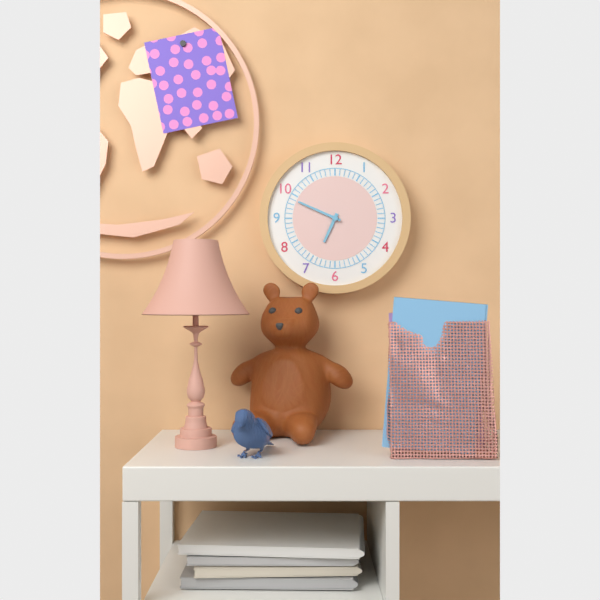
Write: 6:49
